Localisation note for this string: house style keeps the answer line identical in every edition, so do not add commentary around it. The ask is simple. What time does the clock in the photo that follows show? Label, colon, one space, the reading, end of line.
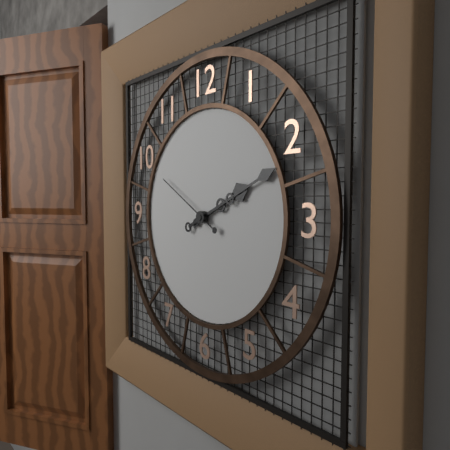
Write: 2:11:50
